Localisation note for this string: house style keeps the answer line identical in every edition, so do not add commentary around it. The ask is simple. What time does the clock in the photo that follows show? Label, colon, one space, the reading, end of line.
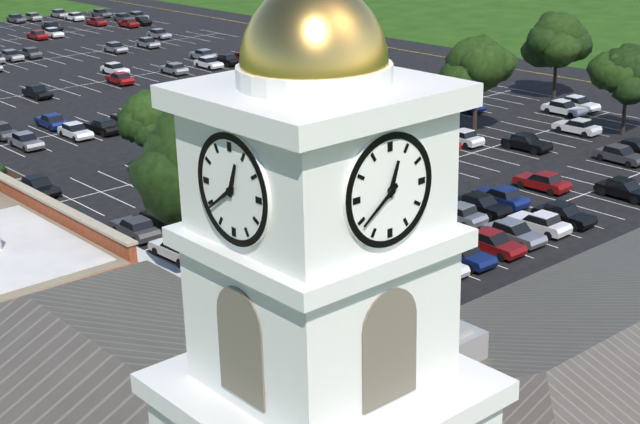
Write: 12:39
